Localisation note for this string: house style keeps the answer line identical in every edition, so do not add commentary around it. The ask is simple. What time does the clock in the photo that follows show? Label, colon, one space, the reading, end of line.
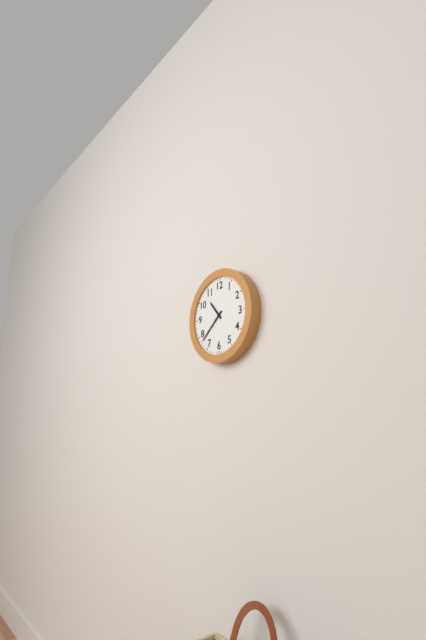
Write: 10:38
